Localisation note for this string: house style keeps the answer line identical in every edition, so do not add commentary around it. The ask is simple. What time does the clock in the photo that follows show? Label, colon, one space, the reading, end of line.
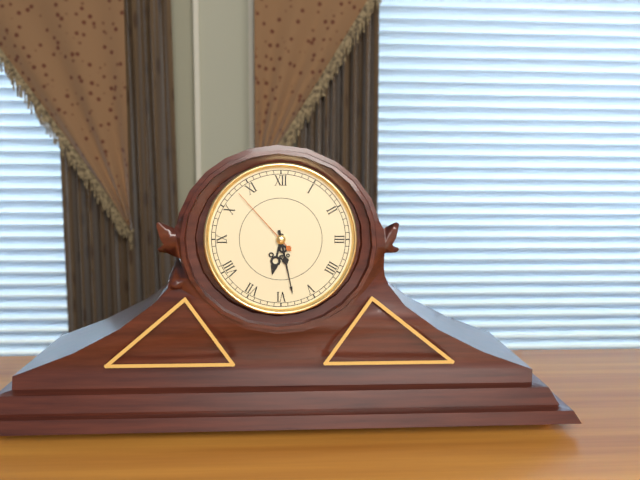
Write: 6:28:53
